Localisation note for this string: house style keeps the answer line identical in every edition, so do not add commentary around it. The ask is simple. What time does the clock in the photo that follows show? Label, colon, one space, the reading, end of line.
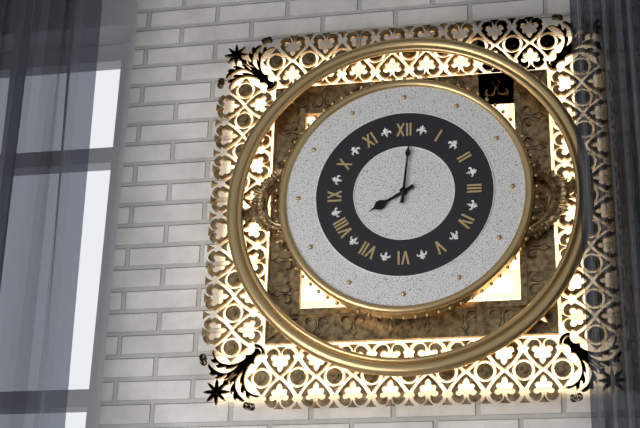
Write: 8:01
